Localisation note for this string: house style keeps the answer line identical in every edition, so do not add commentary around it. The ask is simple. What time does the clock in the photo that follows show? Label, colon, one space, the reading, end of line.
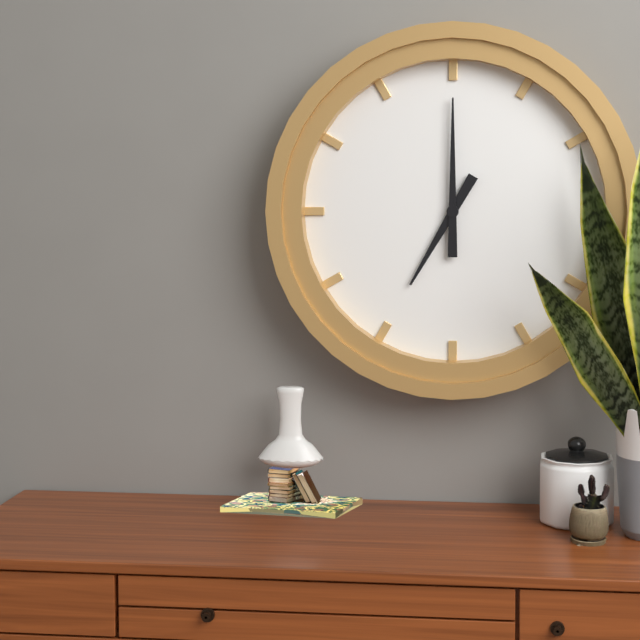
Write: 7:00
